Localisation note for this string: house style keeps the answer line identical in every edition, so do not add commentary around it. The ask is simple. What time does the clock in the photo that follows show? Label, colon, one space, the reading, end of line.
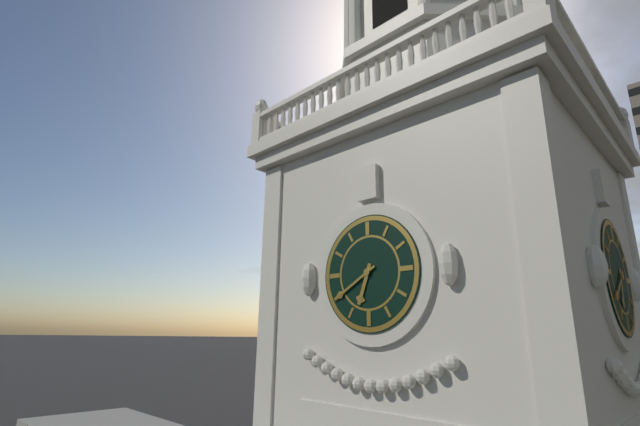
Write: 6:40
